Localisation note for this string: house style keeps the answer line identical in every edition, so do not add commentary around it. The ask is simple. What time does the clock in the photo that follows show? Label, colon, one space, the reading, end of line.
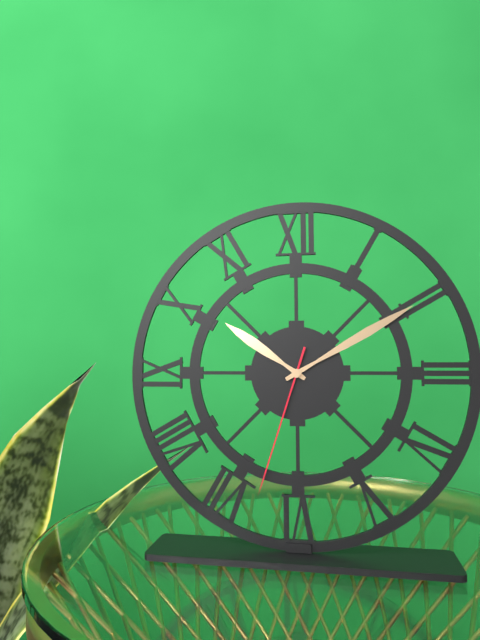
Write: 10:10:33
